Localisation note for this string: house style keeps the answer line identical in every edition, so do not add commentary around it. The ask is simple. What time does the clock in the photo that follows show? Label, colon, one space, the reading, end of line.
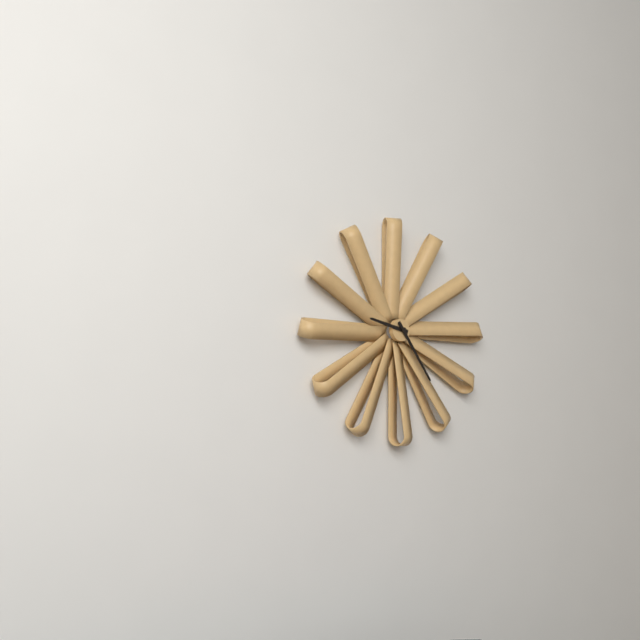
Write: 9:24
